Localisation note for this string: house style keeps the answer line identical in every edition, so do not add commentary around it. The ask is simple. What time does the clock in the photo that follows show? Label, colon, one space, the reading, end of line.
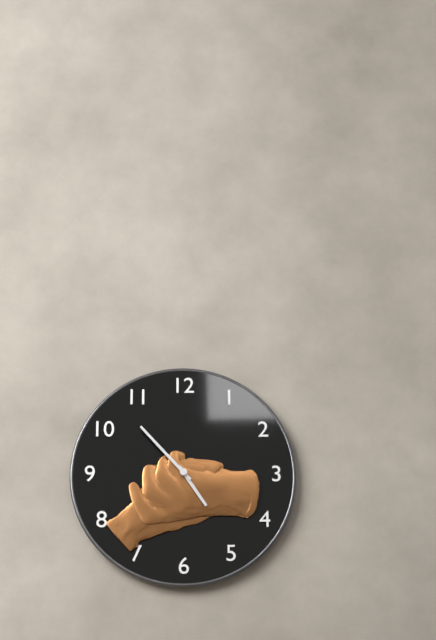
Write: 4:53
